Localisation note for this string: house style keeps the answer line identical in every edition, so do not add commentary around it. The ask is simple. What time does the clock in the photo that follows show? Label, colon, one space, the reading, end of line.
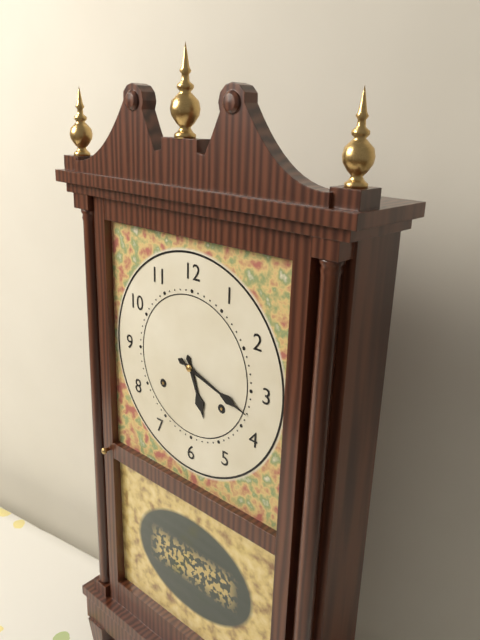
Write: 5:18
